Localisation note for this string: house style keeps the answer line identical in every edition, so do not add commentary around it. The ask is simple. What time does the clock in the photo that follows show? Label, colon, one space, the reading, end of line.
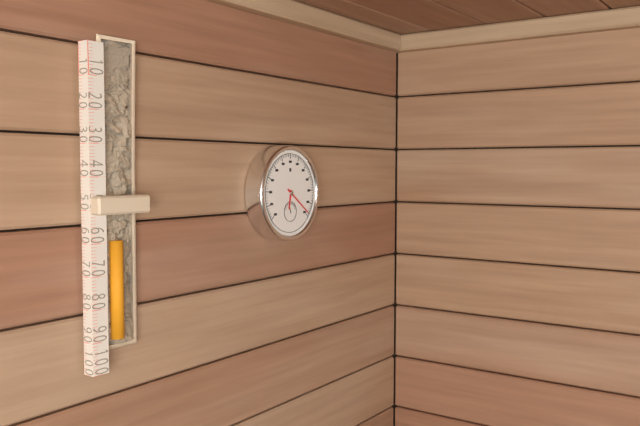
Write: 6:21
